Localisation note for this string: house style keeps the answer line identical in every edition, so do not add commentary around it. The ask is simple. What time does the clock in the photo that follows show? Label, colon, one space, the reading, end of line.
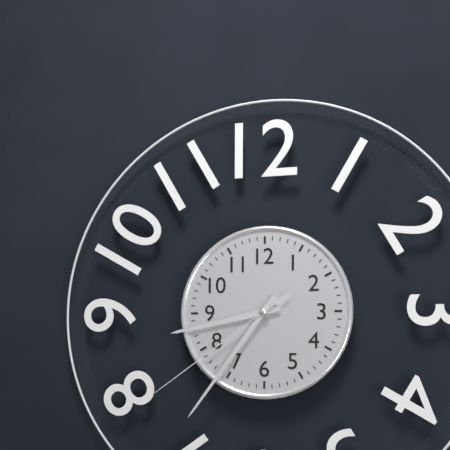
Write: 8:36:39
